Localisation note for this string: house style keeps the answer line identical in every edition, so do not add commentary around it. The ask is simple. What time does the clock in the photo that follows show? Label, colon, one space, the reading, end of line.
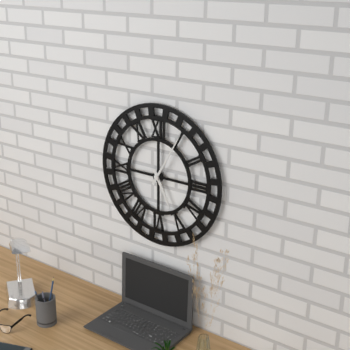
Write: 5:05
